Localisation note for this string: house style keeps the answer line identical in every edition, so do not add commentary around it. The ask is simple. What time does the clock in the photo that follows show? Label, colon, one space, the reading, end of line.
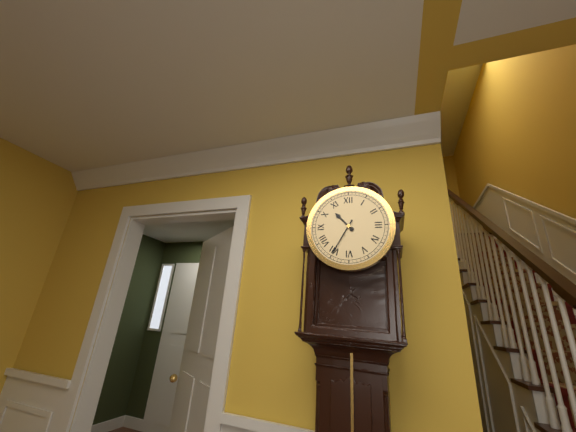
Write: 10:35
